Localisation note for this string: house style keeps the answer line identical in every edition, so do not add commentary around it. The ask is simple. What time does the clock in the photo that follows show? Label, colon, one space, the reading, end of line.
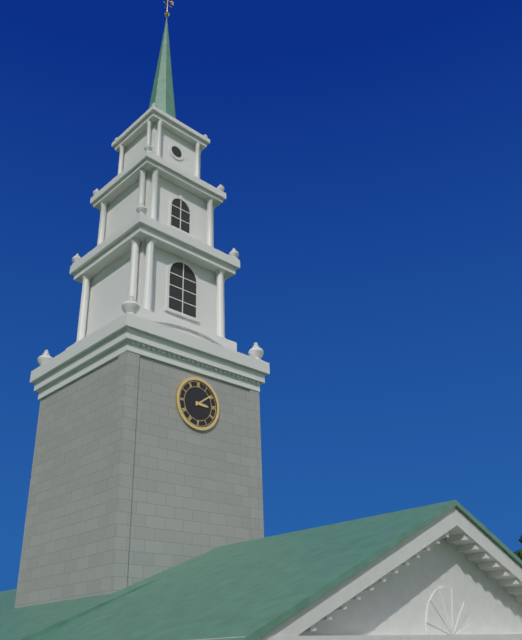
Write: 3:09
